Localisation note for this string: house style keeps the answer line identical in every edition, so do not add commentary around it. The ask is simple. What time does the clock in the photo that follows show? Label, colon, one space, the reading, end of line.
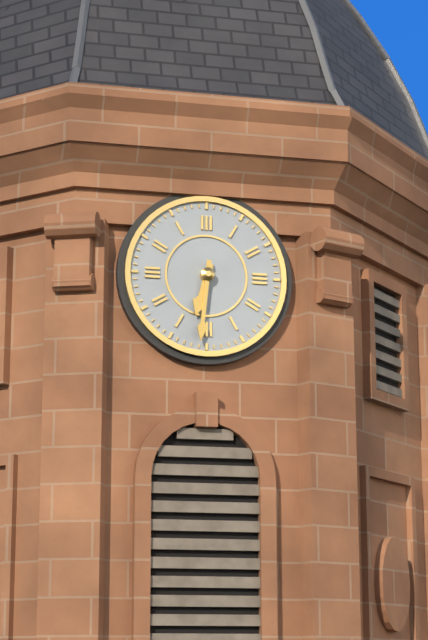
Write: 6:31
